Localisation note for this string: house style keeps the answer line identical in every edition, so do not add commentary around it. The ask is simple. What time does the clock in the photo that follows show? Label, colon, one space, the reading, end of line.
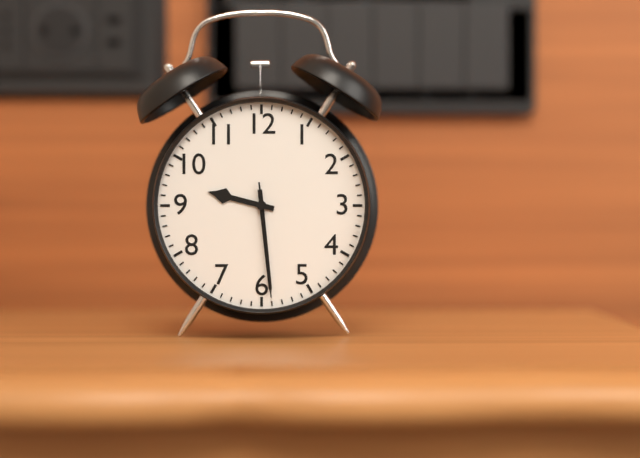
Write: 9:29:29
